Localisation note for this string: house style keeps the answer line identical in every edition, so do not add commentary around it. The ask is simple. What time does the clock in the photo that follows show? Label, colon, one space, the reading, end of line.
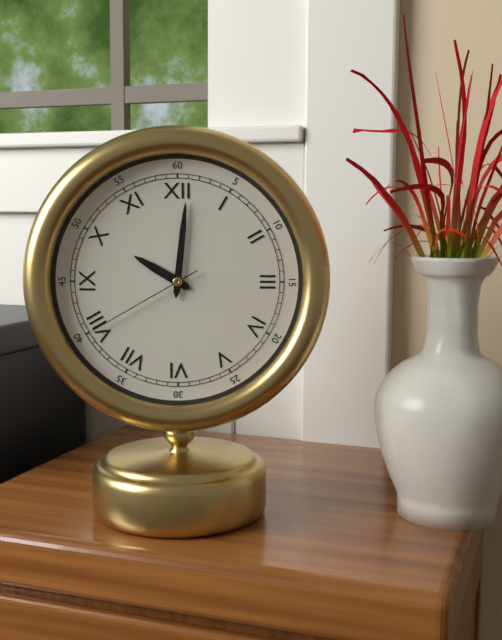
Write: 10:01:40
